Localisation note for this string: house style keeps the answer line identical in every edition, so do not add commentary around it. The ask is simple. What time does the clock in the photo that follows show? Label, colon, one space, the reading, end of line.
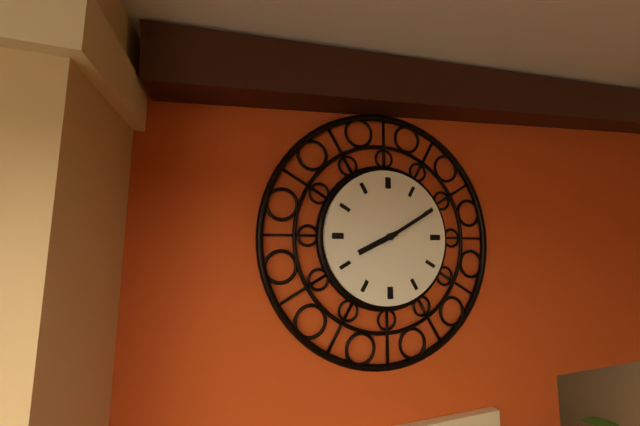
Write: 8:10
